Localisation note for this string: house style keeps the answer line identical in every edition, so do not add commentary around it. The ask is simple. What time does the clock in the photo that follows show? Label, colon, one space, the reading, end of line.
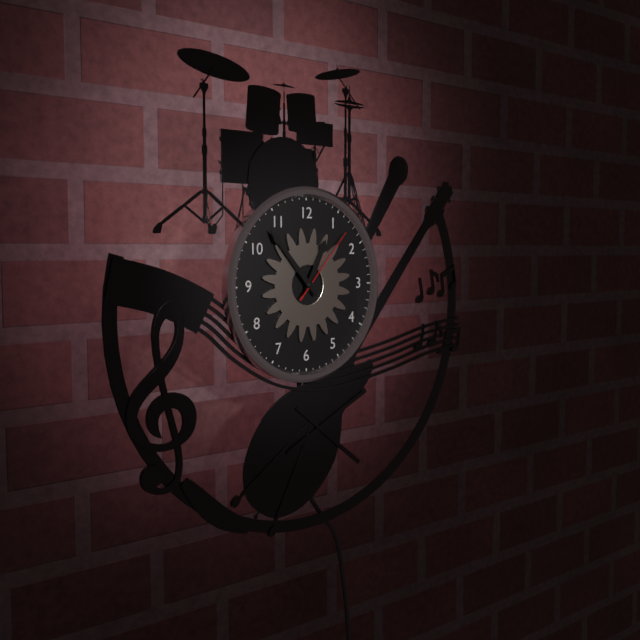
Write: 12:53:07
